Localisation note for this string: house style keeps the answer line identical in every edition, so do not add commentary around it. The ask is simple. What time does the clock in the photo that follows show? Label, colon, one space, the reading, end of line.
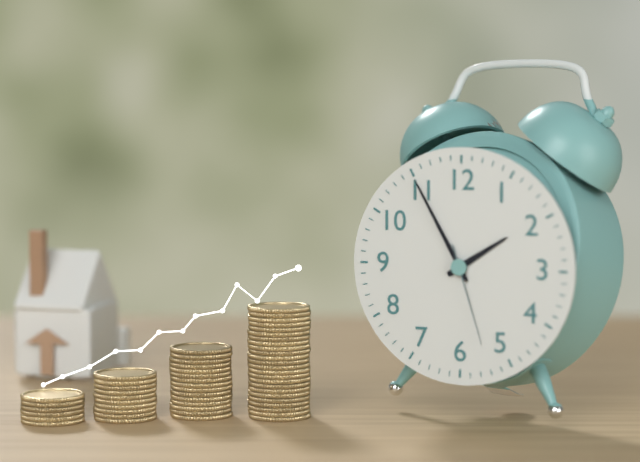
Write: 1:55:27
